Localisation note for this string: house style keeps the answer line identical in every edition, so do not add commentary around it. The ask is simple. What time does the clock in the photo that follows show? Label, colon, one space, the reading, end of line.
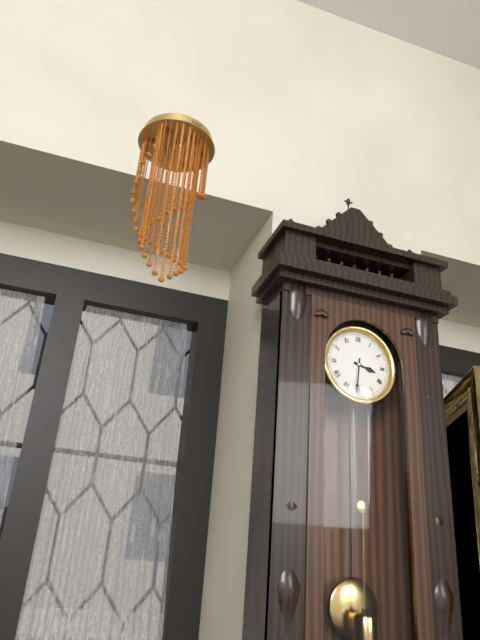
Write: 3:31
